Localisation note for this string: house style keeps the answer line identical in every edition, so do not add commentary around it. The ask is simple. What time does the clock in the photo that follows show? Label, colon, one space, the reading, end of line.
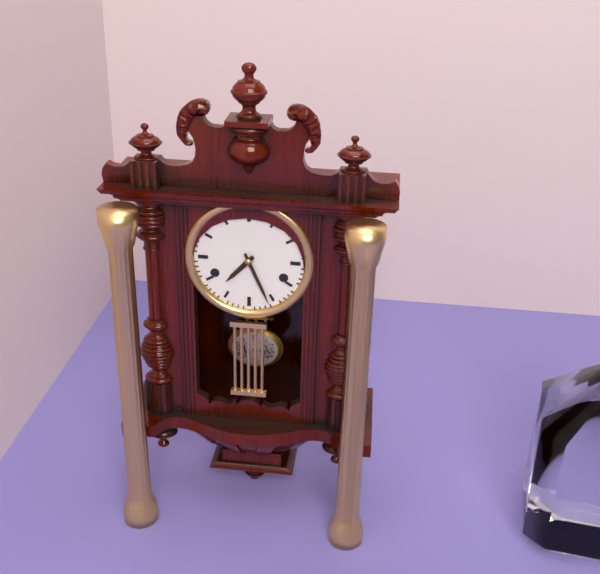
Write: 7:26
